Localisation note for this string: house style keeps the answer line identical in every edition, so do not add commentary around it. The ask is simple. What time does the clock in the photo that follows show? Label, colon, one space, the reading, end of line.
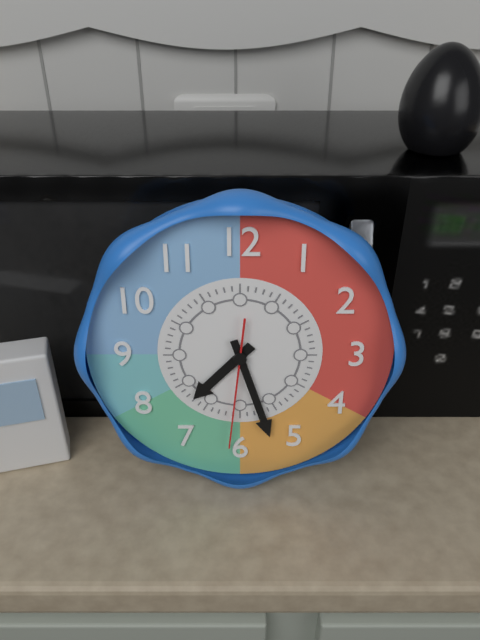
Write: 7:27:31
